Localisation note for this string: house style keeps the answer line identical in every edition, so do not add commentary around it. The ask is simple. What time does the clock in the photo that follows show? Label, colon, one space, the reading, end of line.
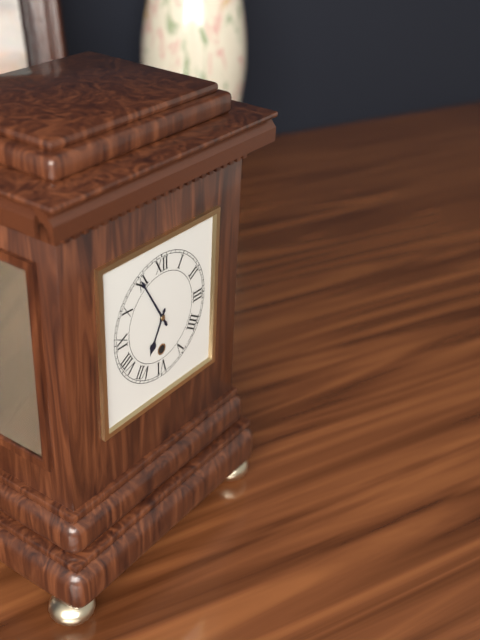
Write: 6:55
